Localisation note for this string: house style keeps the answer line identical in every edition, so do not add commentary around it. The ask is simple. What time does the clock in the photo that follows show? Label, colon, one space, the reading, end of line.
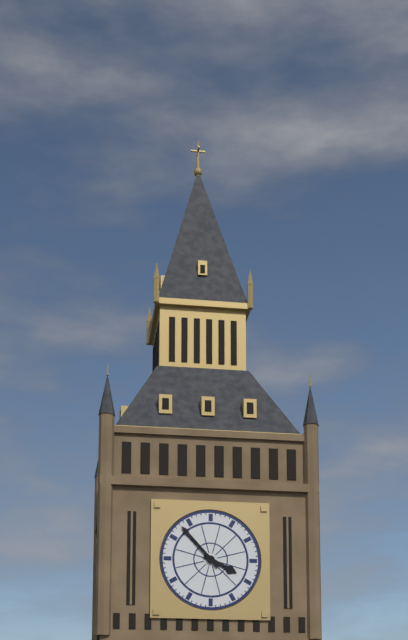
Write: 3:53
